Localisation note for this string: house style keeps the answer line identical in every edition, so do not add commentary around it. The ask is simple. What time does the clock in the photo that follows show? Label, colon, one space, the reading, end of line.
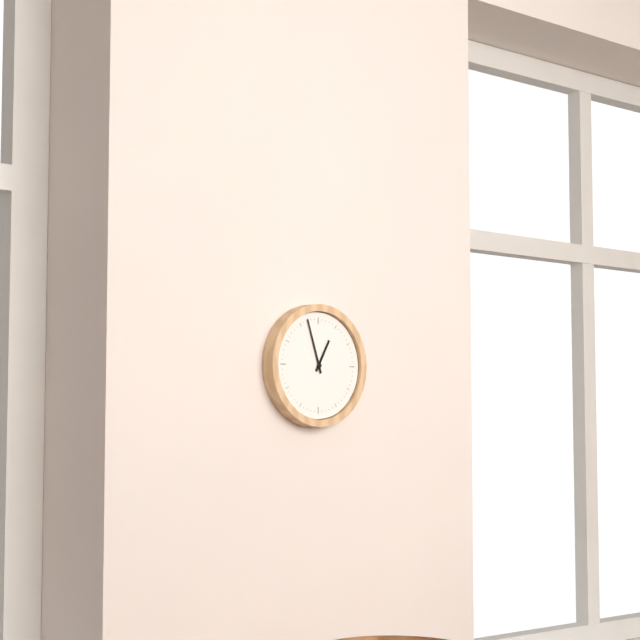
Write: 12:57
